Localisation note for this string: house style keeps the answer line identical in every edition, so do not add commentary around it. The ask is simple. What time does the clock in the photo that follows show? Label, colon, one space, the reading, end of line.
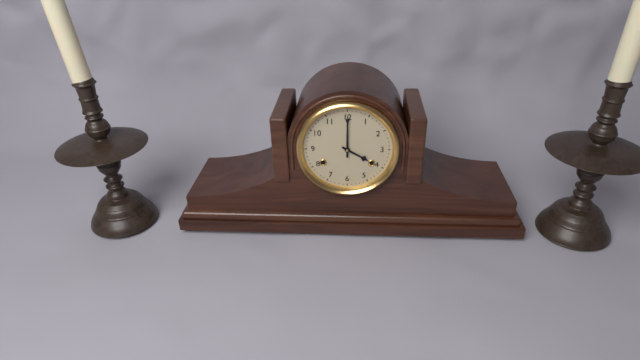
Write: 4:00
